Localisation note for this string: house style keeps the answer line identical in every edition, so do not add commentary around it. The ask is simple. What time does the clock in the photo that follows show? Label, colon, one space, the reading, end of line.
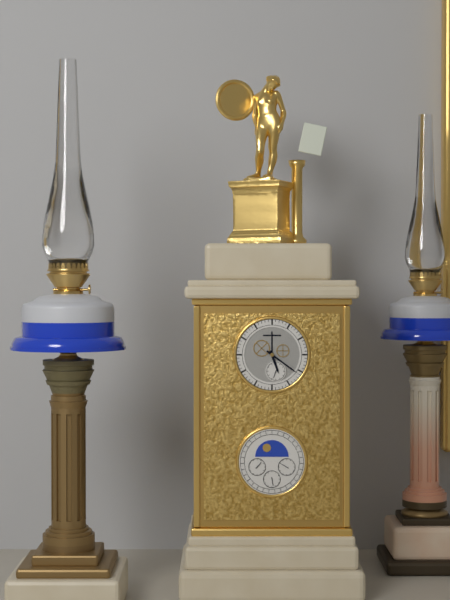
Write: 5:21
